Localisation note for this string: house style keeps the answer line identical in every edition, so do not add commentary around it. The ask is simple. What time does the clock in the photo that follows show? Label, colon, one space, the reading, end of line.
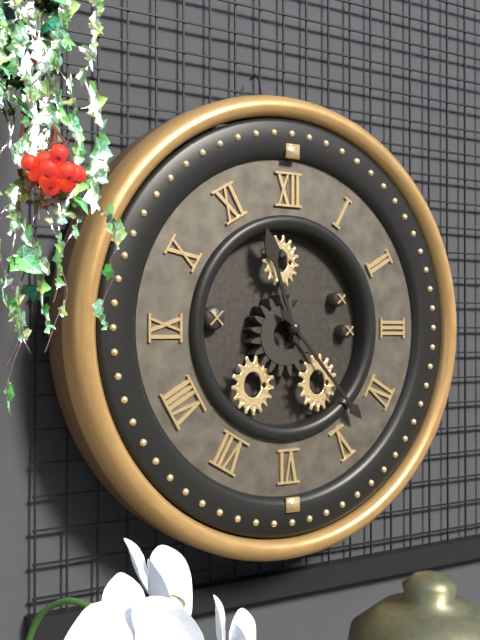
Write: 11:23
